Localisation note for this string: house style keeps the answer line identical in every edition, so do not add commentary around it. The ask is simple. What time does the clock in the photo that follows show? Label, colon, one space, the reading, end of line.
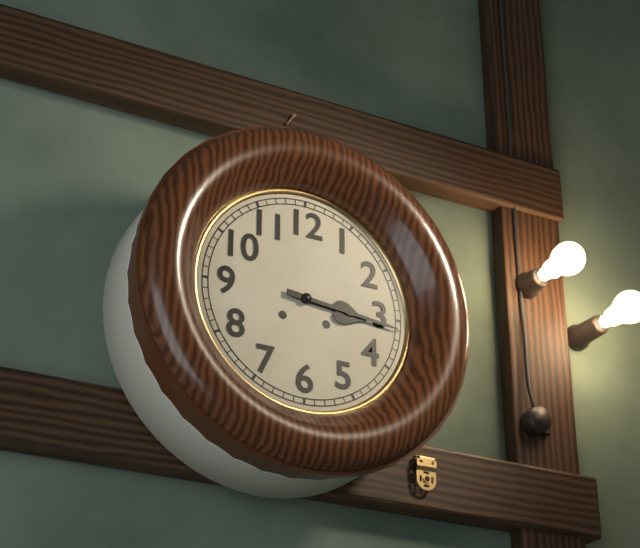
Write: 3:16
